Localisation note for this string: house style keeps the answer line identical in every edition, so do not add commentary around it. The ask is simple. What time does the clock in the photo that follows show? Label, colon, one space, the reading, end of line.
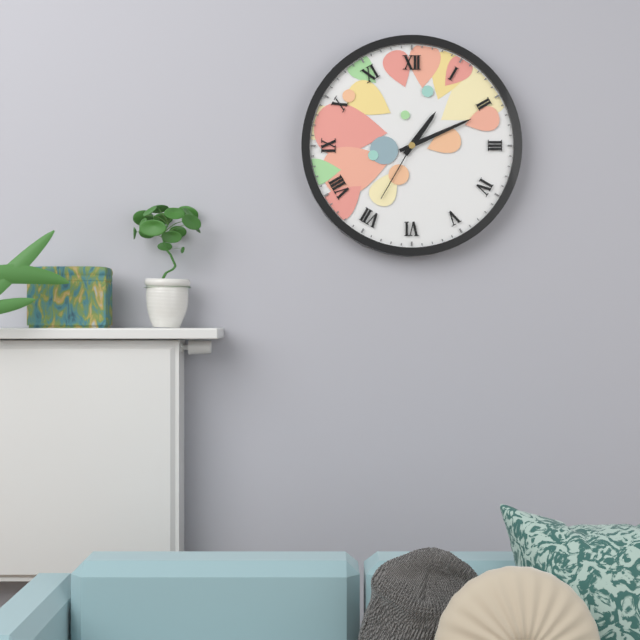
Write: 1:11:35
